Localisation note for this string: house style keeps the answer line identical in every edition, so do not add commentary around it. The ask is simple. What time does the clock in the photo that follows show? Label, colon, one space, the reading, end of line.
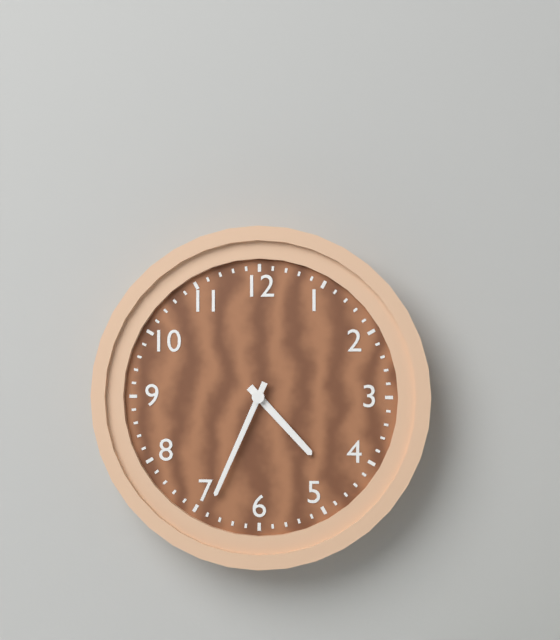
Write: 4:34
